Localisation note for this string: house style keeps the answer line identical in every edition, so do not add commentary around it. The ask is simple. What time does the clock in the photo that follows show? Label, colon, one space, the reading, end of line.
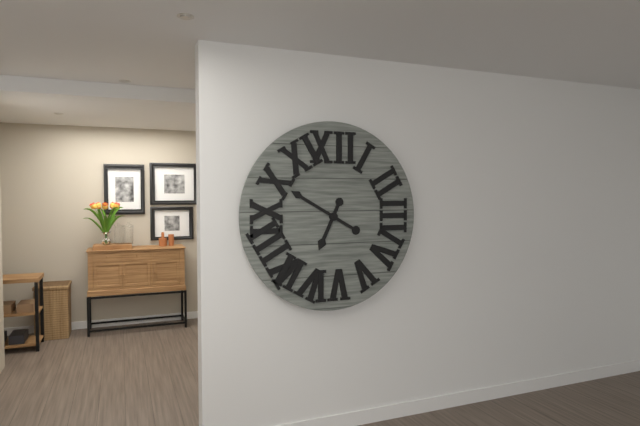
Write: 6:50
